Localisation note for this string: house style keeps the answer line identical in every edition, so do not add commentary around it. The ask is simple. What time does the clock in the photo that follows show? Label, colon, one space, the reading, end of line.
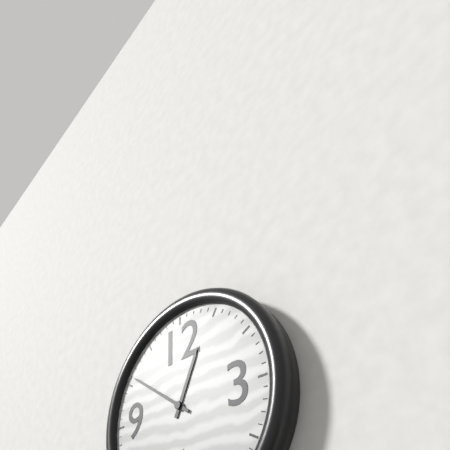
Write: 12:51
